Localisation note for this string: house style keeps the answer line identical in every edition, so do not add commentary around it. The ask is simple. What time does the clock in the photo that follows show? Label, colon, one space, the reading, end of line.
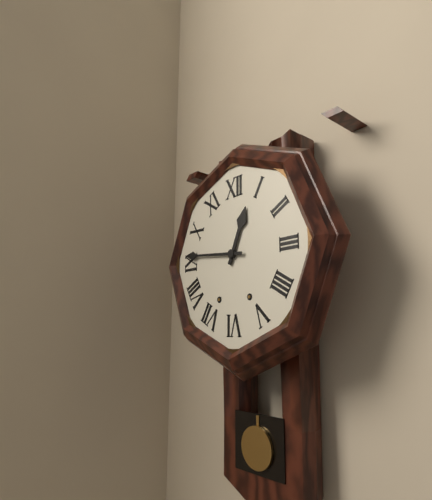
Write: 12:46
